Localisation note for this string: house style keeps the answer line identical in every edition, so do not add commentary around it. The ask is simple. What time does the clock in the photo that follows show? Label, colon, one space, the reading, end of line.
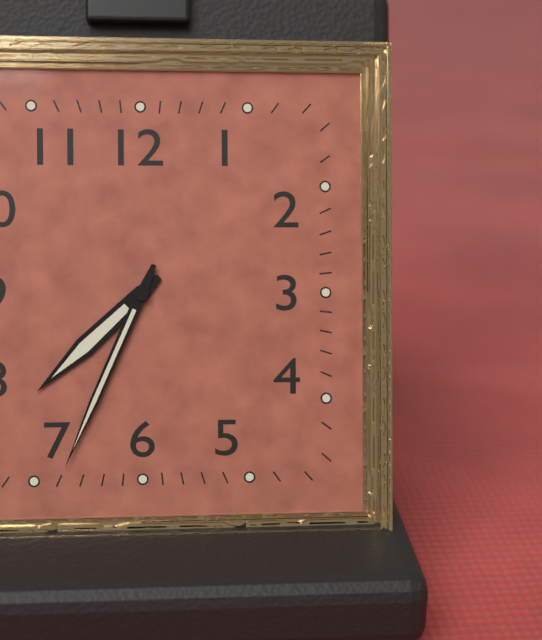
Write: 7:34
